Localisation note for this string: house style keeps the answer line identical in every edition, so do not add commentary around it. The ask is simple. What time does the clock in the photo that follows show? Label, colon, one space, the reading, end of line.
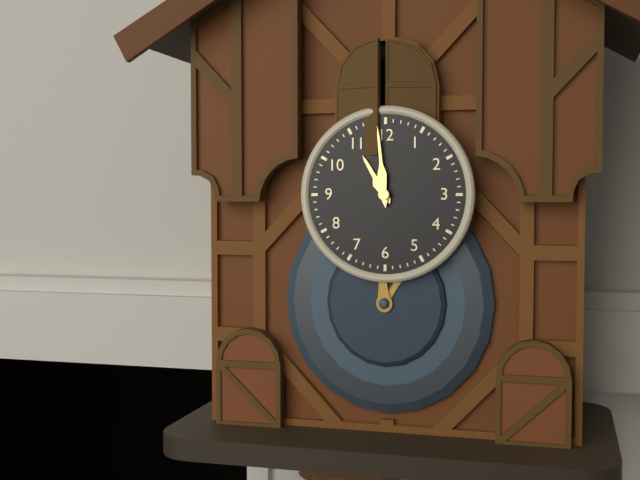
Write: 10:59
